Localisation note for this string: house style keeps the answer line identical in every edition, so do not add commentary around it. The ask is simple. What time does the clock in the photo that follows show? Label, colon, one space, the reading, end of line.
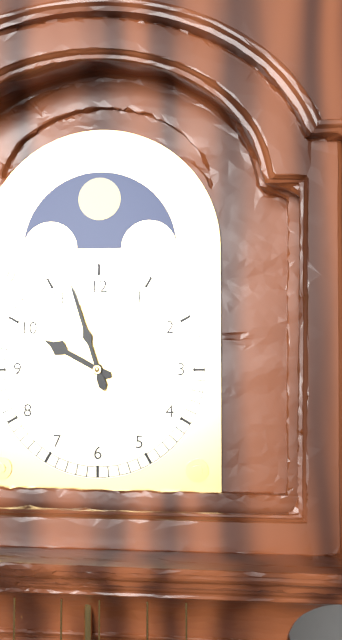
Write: 9:57
